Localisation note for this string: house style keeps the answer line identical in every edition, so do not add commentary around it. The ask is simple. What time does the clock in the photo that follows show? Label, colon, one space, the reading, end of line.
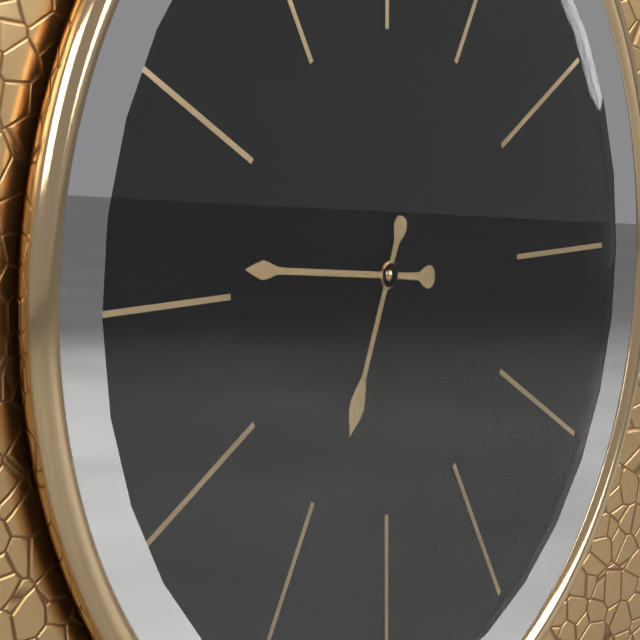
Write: 6:46
